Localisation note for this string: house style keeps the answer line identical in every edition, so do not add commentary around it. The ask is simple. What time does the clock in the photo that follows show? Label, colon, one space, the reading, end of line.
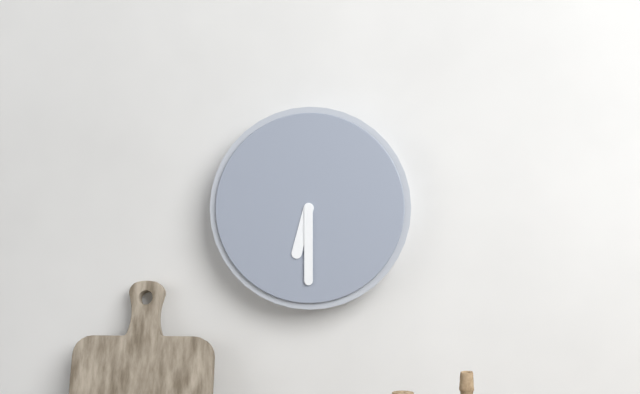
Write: 6:30
